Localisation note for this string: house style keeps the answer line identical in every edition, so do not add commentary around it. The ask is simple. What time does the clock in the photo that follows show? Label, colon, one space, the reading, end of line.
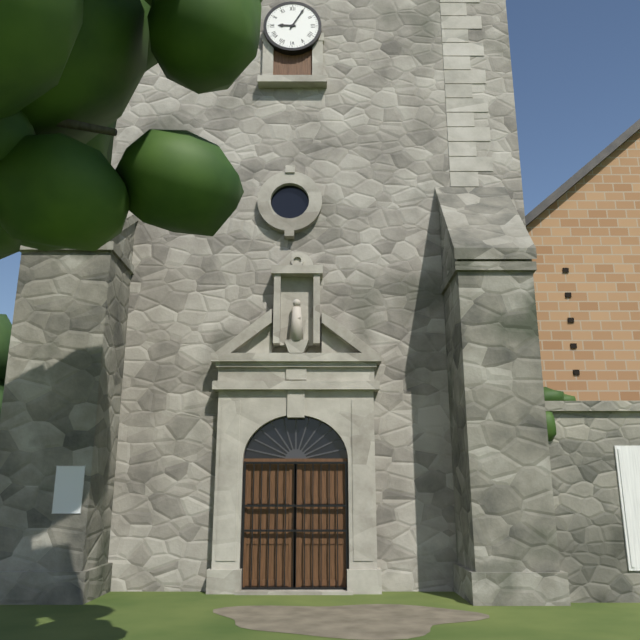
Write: 9:05
